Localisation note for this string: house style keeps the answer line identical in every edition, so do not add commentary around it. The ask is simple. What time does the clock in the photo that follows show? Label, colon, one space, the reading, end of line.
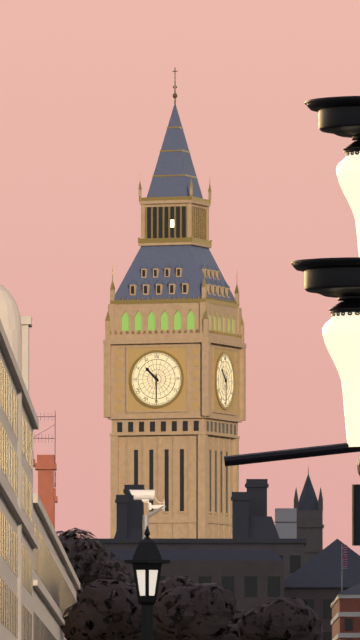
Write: 10:30
